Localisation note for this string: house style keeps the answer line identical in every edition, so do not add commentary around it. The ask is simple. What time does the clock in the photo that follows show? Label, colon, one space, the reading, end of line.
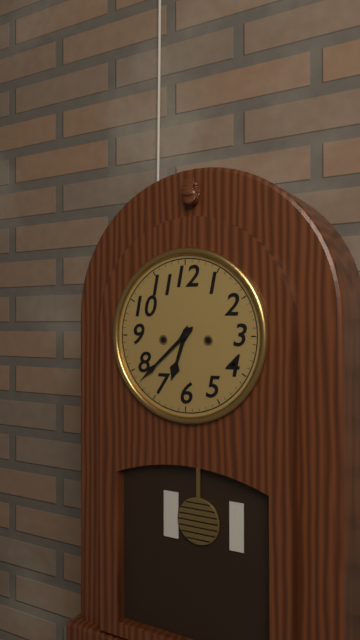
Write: 6:38
